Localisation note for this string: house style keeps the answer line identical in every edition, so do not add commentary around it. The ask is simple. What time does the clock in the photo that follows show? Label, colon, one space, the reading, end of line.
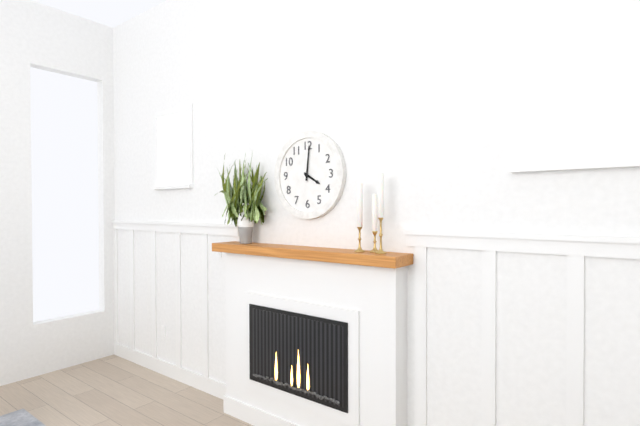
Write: 4:01
